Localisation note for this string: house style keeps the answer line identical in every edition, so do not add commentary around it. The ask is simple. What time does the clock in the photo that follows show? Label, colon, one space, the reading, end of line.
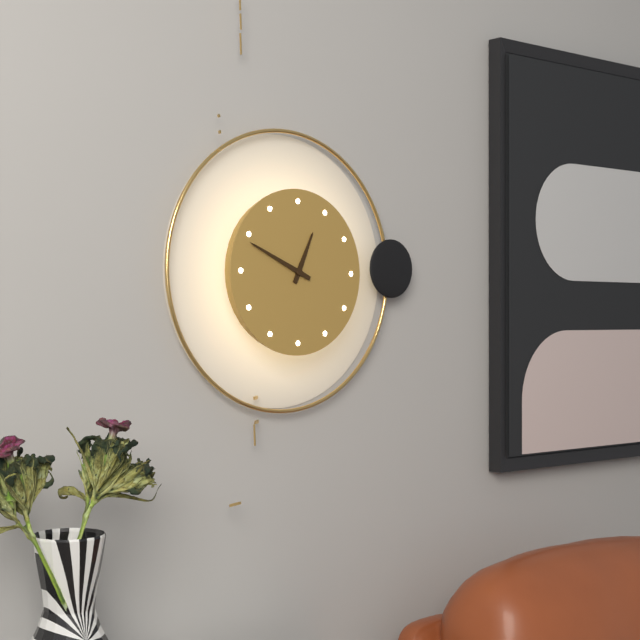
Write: 12:49
